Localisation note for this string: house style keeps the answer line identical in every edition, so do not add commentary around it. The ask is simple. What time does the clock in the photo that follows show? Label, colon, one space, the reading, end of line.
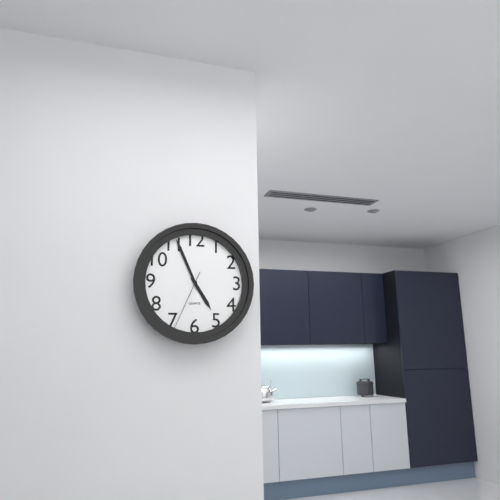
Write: 4:56:34
